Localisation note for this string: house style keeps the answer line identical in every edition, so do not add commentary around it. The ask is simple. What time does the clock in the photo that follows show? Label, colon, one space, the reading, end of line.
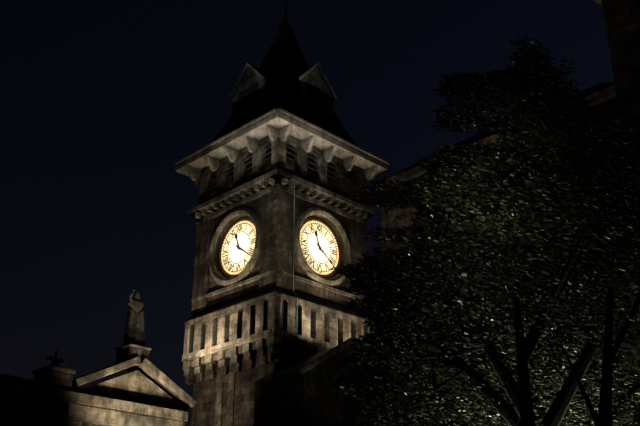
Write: 11:21
